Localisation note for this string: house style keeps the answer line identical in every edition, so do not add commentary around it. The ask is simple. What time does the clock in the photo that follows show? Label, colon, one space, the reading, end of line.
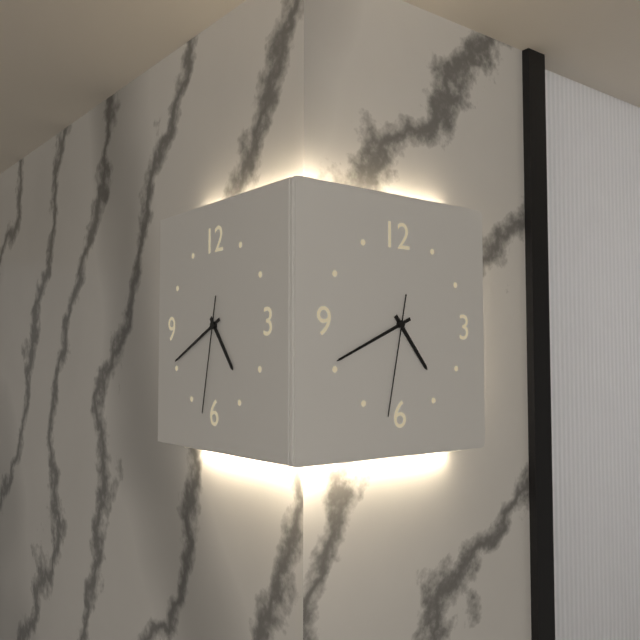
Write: 4:41:32
